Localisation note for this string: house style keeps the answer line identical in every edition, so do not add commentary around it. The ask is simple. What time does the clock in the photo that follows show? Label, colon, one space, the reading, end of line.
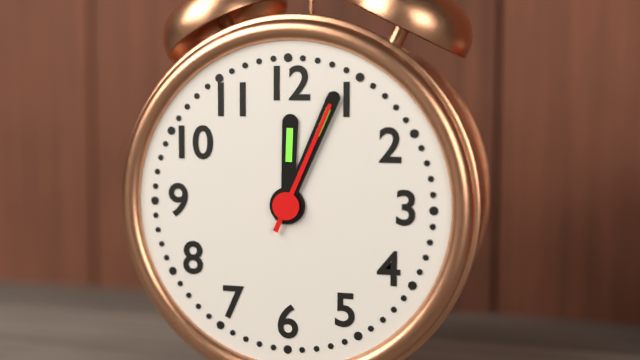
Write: 12:04:04
